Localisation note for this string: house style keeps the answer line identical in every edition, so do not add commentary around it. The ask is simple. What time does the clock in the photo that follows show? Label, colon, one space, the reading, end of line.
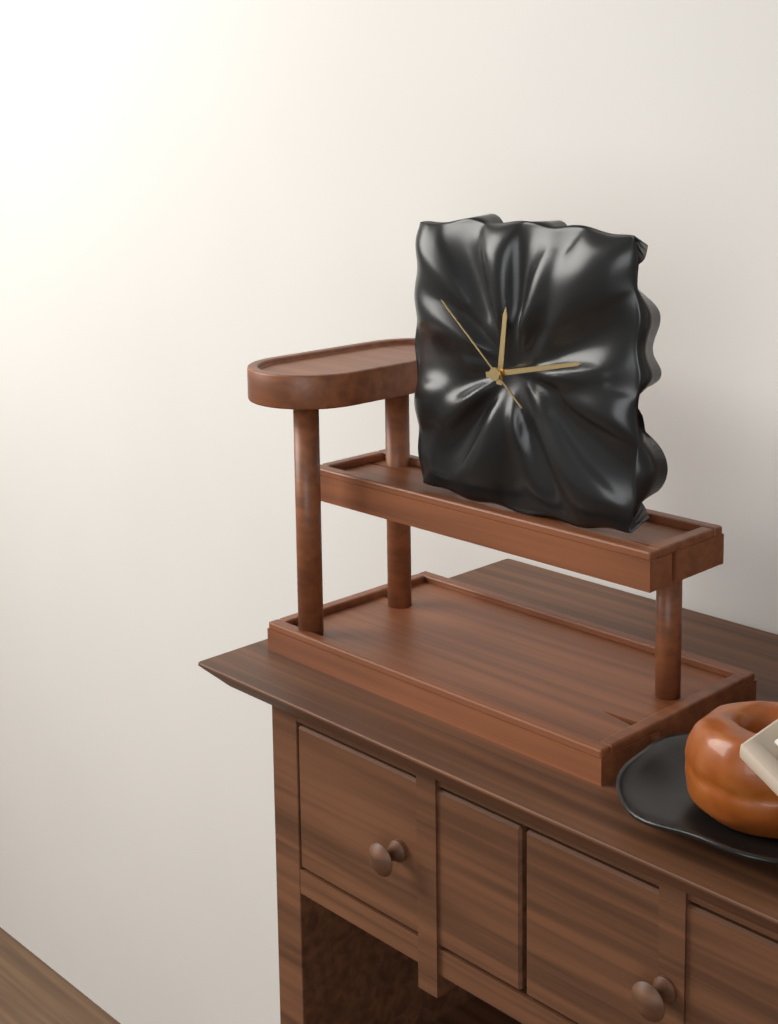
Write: 12:13:52
